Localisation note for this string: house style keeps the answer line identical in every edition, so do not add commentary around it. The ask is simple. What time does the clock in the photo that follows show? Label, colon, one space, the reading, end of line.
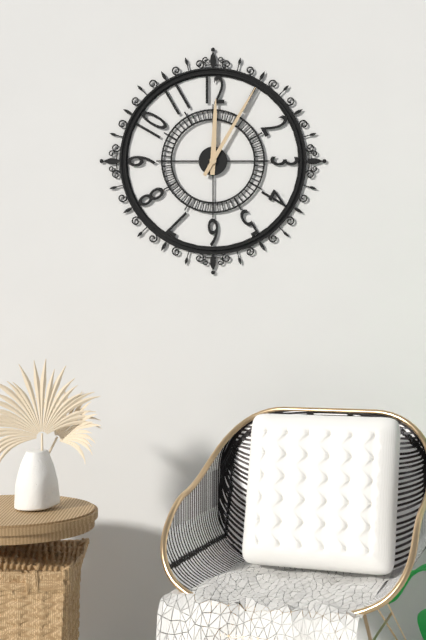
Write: 12:05
